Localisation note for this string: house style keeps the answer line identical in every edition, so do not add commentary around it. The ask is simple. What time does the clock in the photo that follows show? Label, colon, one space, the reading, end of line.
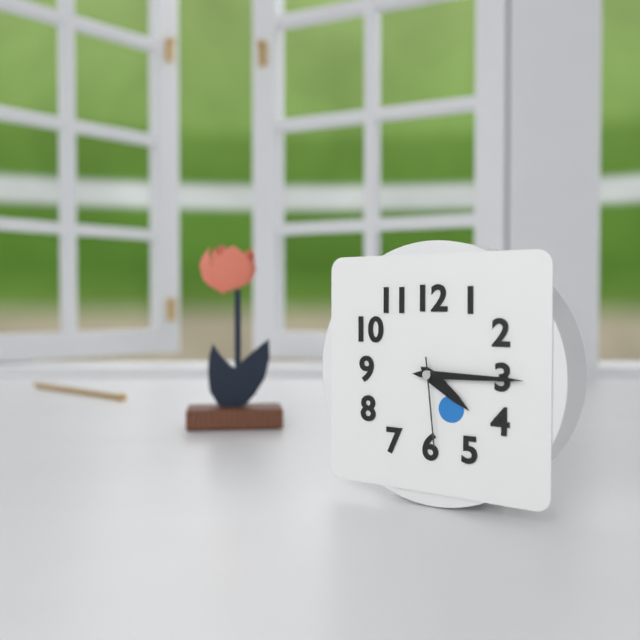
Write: 4:15:29
